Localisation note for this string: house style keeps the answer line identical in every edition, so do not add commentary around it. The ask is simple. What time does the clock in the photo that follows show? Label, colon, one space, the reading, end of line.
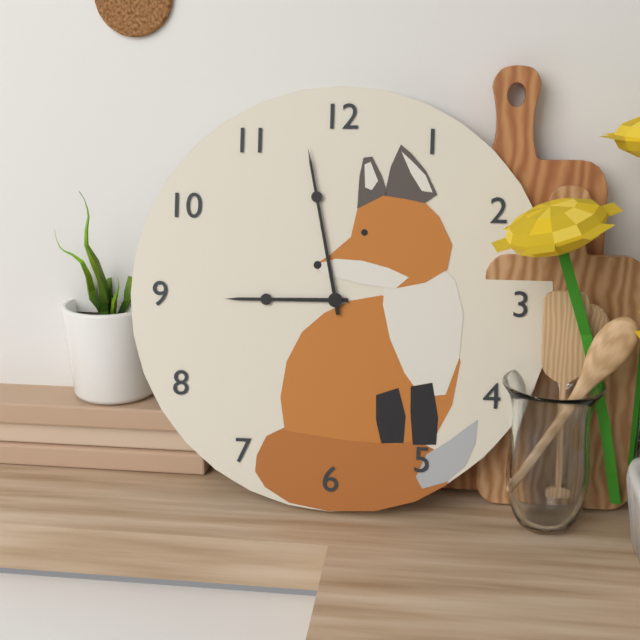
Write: 8:58
